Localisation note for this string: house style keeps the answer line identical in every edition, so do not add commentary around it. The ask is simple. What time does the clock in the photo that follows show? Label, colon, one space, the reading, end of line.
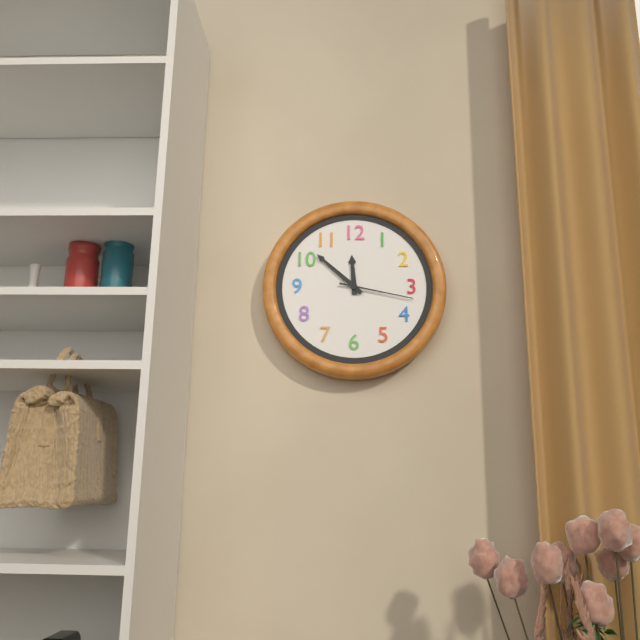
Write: 11:52:17
